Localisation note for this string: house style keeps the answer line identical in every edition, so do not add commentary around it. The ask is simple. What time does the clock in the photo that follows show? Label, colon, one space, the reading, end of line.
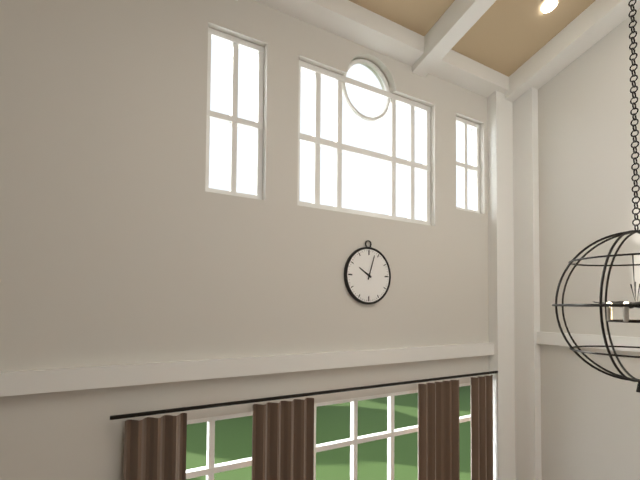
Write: 10:03
